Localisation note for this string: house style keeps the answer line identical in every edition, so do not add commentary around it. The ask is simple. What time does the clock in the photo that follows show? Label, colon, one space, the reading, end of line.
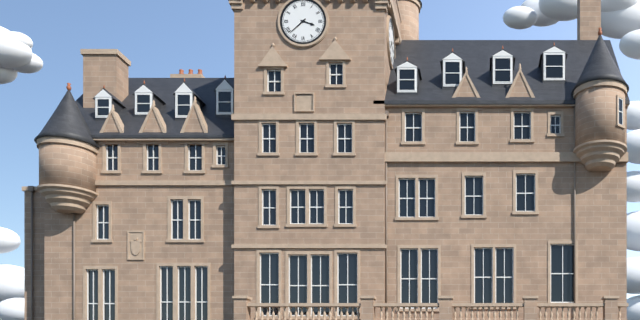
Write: 3:38
